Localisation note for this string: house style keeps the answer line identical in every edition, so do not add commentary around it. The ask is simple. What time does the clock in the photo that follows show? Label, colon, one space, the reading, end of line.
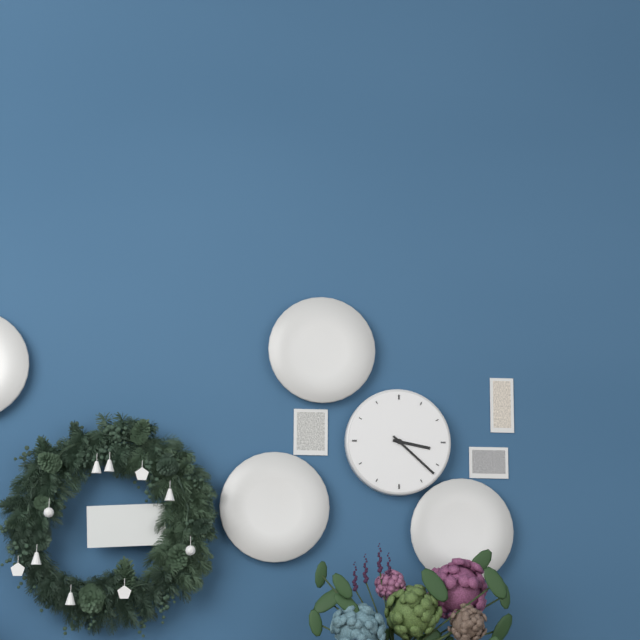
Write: 3:22
